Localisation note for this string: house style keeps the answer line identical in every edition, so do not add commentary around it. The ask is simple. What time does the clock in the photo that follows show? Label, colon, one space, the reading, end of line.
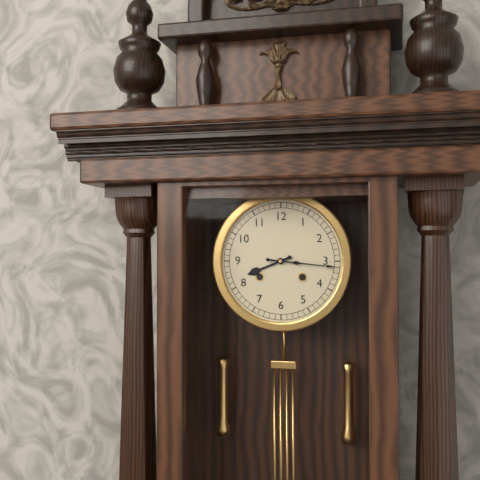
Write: 8:16
